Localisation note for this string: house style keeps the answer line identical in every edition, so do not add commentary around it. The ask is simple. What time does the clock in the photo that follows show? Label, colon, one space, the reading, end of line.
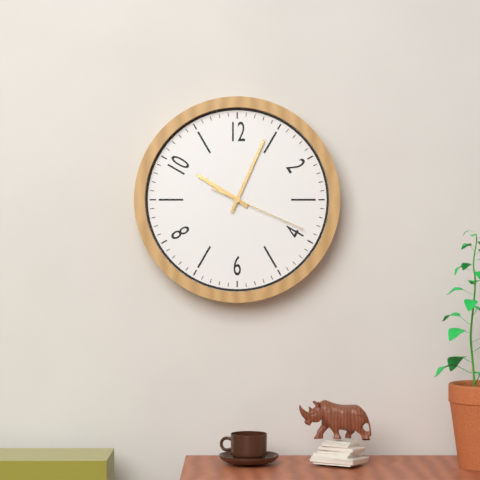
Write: 10:04:19
